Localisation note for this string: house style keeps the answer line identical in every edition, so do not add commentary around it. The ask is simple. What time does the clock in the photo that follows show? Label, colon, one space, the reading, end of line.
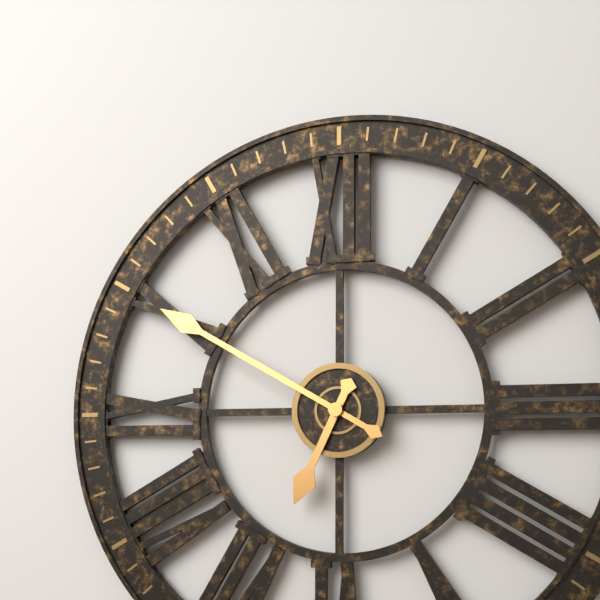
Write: 6:50
